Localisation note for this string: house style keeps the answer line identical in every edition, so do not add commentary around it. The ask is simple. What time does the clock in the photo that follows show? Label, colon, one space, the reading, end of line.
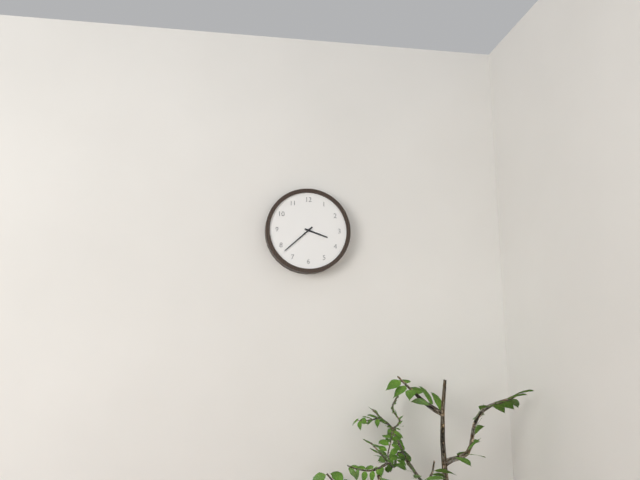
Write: 3:38
